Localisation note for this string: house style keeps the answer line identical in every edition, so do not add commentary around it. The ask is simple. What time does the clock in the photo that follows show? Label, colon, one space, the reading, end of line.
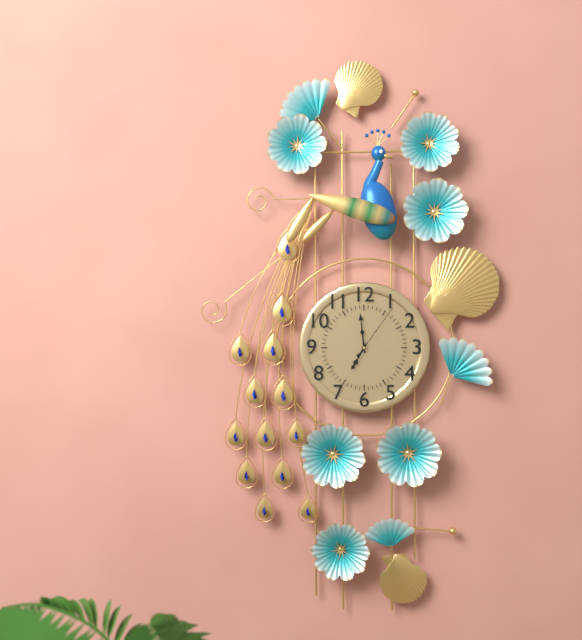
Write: 6:59:06
